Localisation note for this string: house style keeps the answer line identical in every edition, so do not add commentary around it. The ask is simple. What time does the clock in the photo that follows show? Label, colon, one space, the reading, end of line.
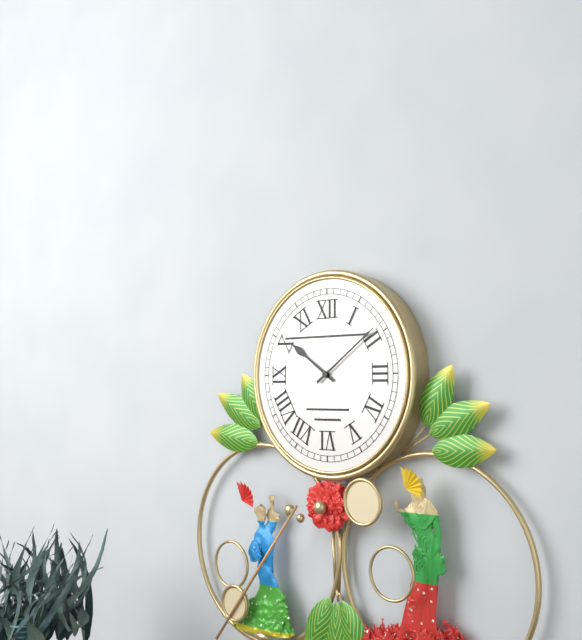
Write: 10:09
